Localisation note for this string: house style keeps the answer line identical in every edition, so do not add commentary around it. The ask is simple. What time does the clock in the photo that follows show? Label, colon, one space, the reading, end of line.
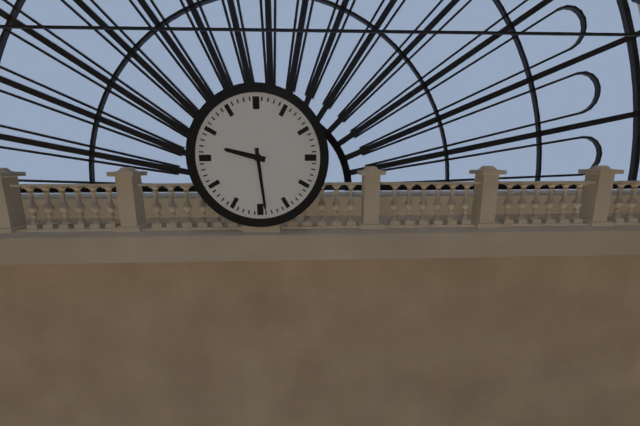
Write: 9:29
